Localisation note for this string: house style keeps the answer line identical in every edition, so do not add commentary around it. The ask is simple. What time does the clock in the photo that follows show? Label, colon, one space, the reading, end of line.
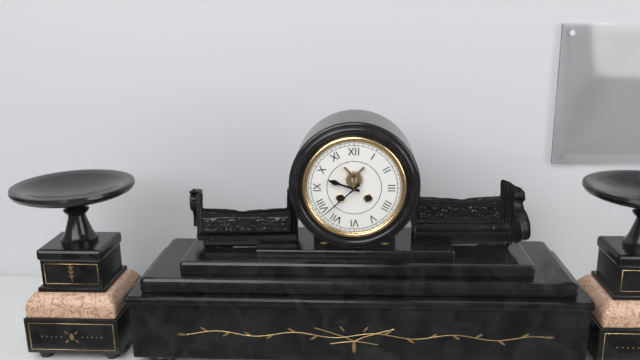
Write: 9:38
